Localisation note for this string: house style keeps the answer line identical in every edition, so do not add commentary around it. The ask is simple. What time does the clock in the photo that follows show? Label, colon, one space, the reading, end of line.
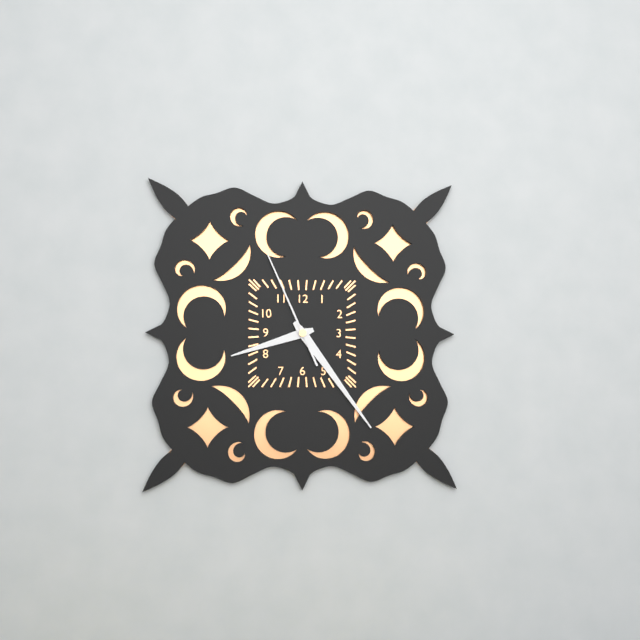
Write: 8:24:56
